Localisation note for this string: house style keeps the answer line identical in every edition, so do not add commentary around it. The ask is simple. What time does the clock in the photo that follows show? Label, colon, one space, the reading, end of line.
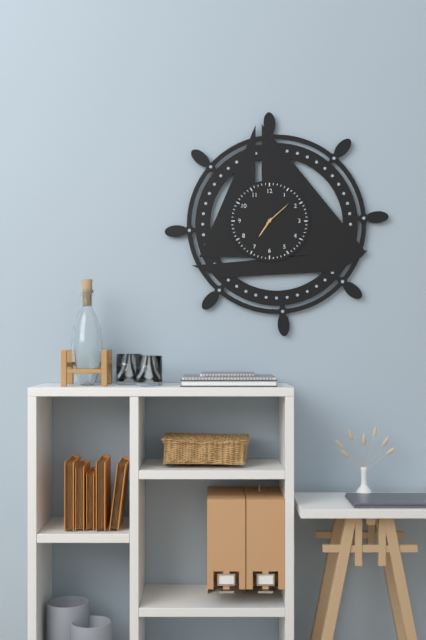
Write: 7:08
